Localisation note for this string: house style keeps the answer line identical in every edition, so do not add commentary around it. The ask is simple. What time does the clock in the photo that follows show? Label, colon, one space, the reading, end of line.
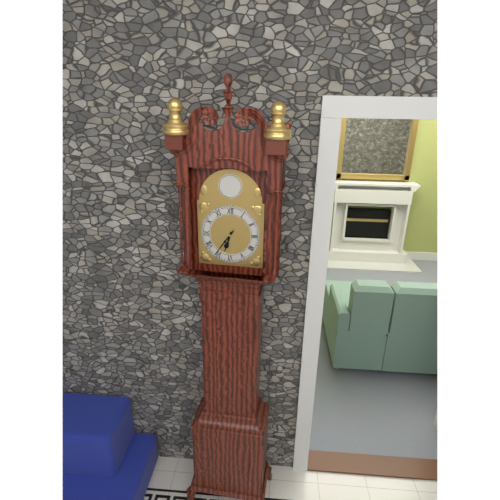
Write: 6:36
